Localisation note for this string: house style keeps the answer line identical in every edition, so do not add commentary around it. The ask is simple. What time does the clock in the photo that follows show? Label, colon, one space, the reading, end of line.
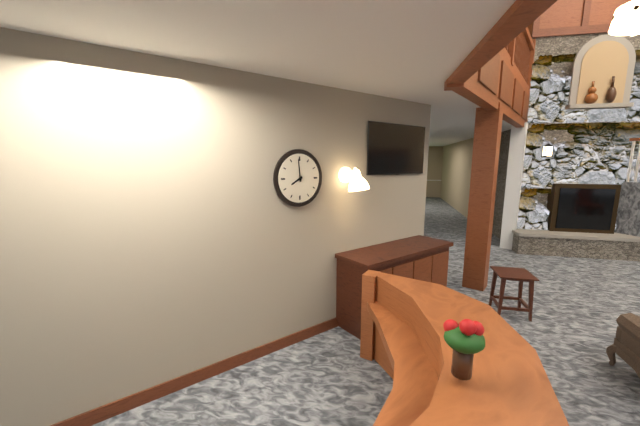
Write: 7:59
